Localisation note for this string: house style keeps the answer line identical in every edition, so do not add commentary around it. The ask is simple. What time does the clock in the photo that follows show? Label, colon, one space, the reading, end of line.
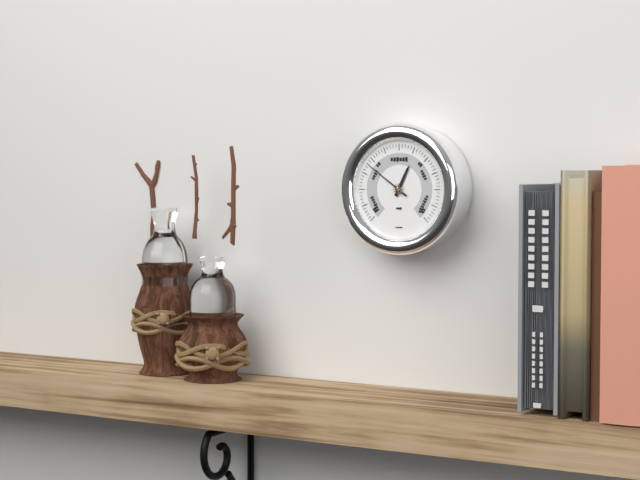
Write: 12:51
